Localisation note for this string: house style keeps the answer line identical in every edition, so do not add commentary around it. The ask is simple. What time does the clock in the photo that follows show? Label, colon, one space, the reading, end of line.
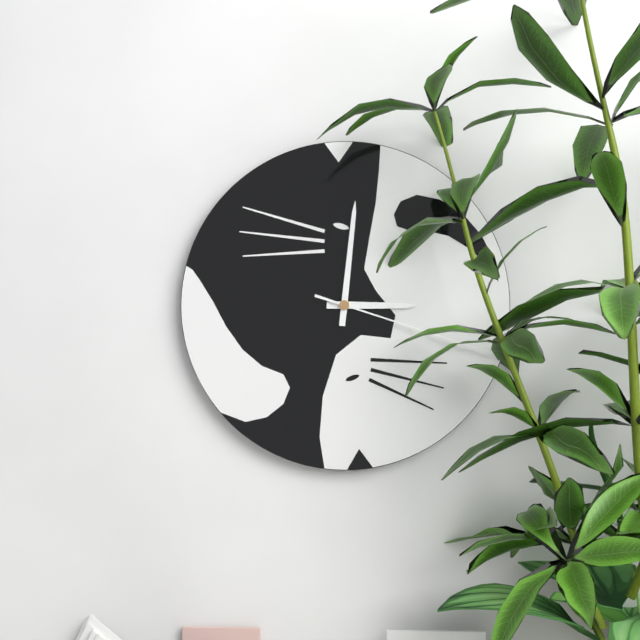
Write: 3:01:18
